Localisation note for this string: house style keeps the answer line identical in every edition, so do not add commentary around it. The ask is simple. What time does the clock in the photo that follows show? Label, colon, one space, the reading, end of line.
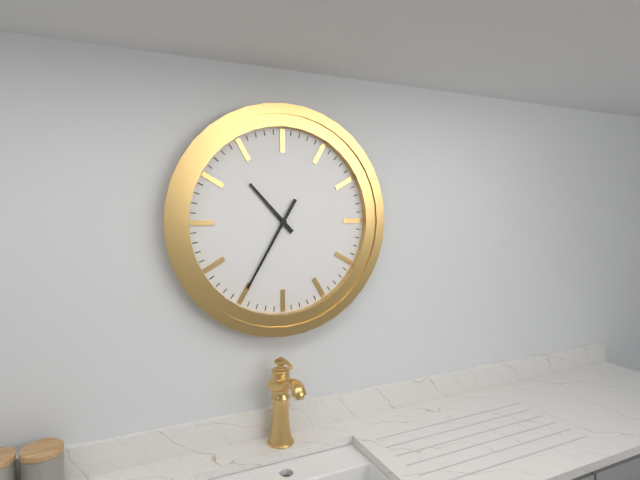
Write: 10:35
